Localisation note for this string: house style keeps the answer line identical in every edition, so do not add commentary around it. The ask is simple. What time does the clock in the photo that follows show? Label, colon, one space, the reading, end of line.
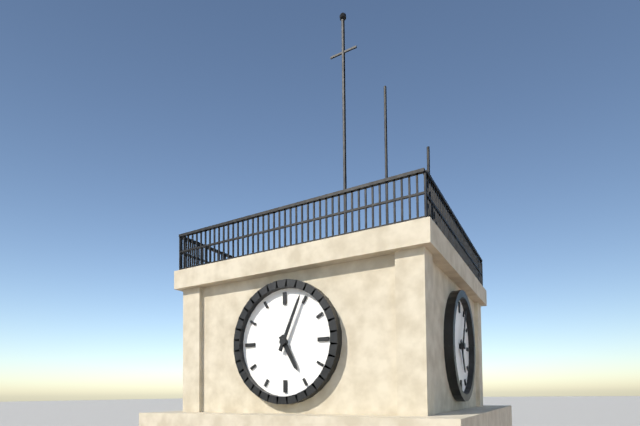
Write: 5:04
